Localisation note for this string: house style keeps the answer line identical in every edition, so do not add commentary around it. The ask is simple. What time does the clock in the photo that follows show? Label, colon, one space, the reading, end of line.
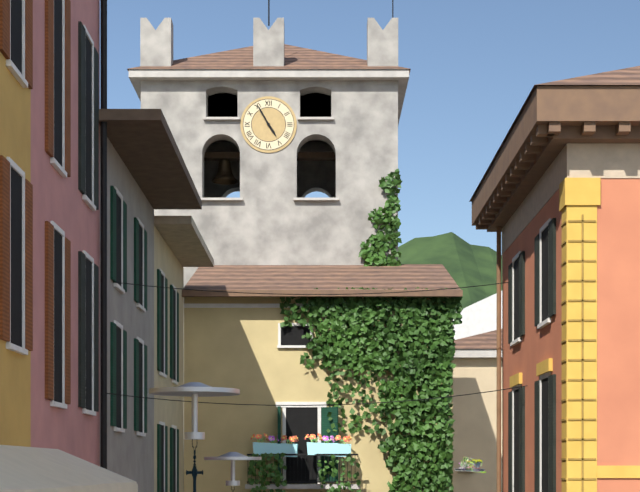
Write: 4:55
